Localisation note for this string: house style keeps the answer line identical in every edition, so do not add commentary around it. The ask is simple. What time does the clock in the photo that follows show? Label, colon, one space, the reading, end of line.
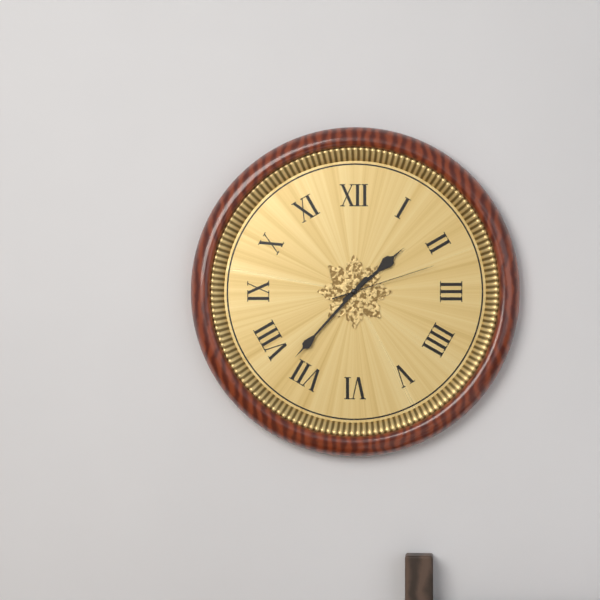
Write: 1:37:12
